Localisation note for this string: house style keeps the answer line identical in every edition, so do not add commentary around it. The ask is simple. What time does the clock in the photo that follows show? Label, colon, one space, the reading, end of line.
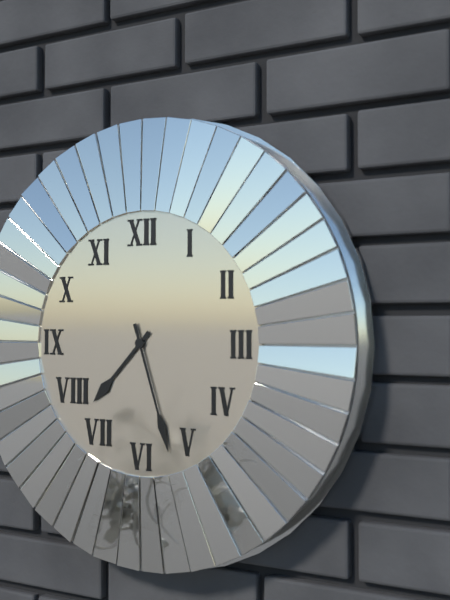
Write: 7:27
